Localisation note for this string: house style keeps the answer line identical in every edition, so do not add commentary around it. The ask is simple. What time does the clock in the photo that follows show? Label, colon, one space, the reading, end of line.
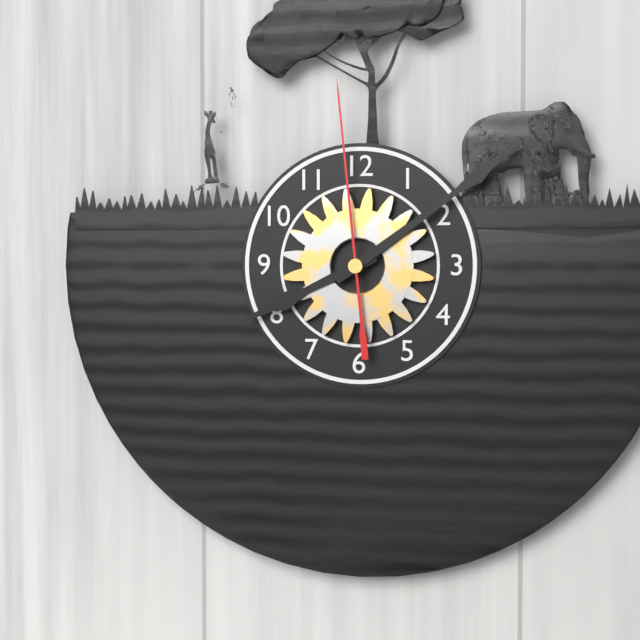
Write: 8:09:59
